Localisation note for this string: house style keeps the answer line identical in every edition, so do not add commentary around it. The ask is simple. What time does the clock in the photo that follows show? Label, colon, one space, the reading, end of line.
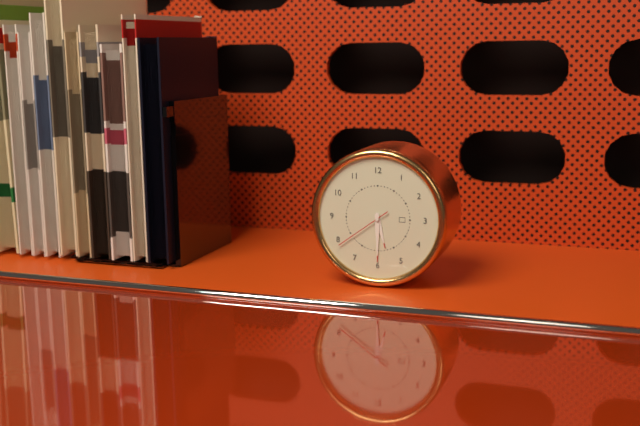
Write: 5:30:39
